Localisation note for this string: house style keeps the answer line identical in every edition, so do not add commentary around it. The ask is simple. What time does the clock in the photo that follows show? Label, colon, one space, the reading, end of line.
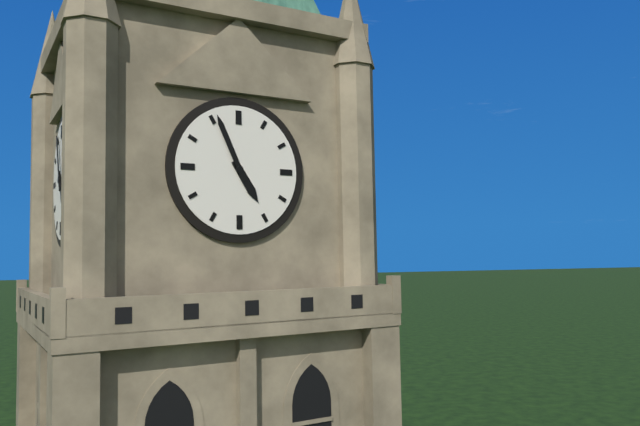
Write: 4:56
